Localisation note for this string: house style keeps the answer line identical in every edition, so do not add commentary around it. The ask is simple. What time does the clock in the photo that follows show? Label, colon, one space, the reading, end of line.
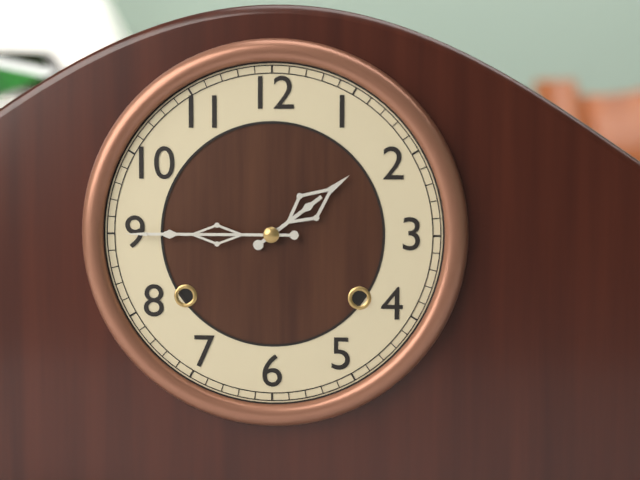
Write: 1:45
